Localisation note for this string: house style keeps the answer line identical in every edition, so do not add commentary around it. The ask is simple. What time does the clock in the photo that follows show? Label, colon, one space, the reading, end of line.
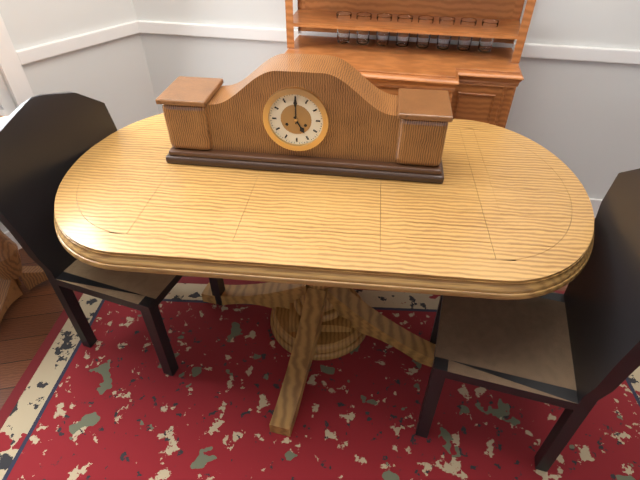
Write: 5:00
